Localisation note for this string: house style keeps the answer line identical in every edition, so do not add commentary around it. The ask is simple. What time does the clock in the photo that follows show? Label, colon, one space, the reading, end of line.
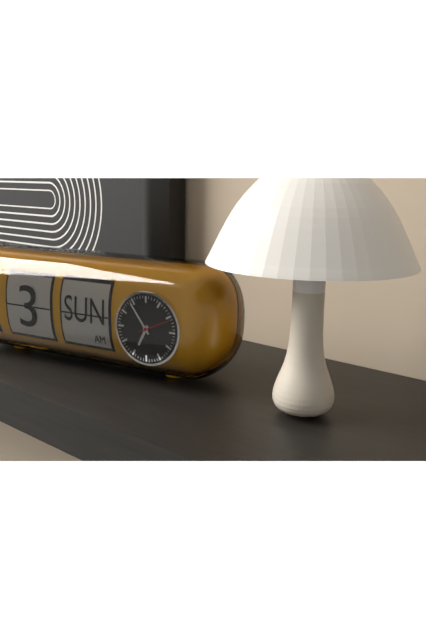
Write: 6:54
